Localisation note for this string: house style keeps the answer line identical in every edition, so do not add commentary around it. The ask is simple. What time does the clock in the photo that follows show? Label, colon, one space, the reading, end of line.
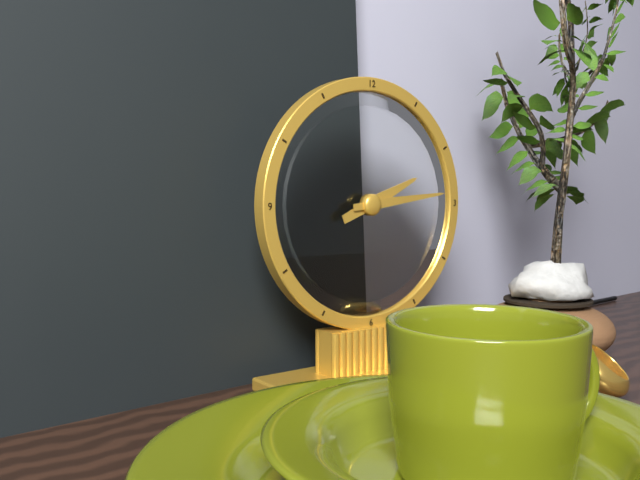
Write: 2:14
